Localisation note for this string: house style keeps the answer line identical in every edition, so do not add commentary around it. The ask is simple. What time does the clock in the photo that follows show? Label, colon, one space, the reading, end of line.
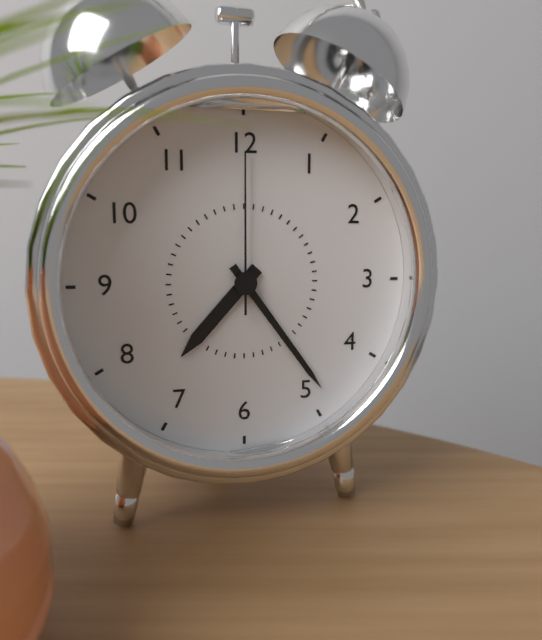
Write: 7:24:00
